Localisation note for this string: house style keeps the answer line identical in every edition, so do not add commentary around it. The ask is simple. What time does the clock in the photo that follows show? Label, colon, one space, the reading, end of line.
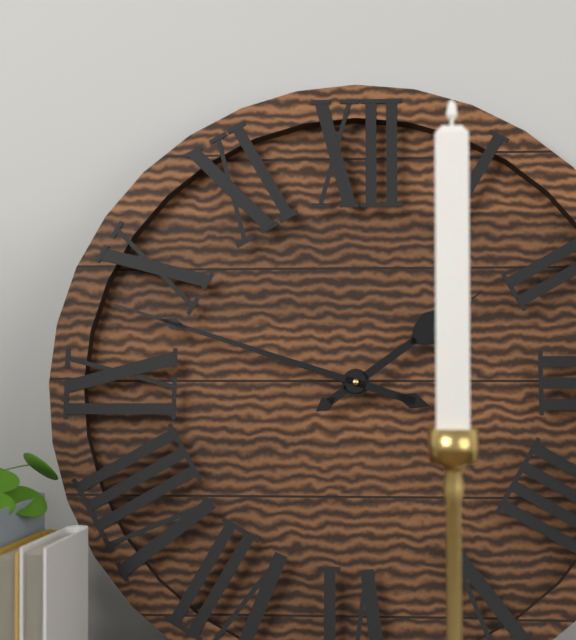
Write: 1:48
